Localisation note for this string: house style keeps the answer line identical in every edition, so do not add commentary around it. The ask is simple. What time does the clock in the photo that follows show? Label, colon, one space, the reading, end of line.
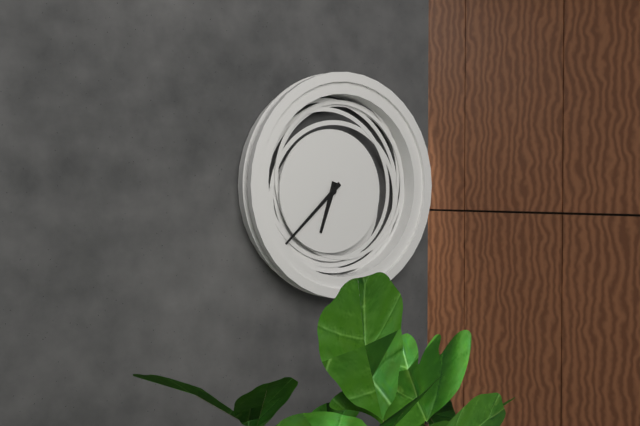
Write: 6:38
